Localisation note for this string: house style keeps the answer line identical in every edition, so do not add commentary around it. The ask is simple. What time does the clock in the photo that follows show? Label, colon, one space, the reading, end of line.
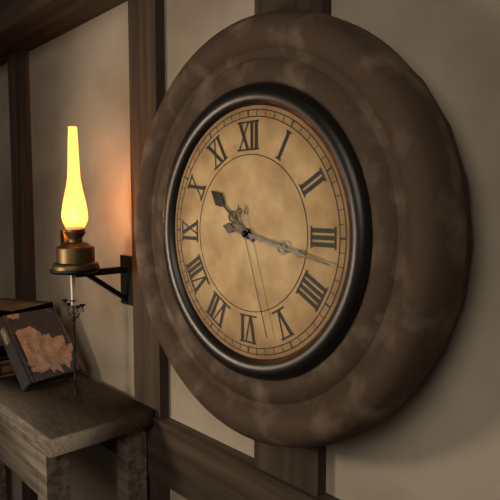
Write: 10:17:27
